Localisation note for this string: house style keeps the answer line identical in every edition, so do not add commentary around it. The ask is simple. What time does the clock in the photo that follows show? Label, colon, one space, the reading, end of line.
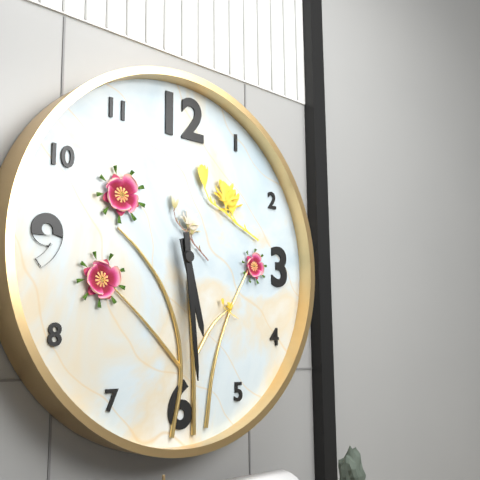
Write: 5:29
